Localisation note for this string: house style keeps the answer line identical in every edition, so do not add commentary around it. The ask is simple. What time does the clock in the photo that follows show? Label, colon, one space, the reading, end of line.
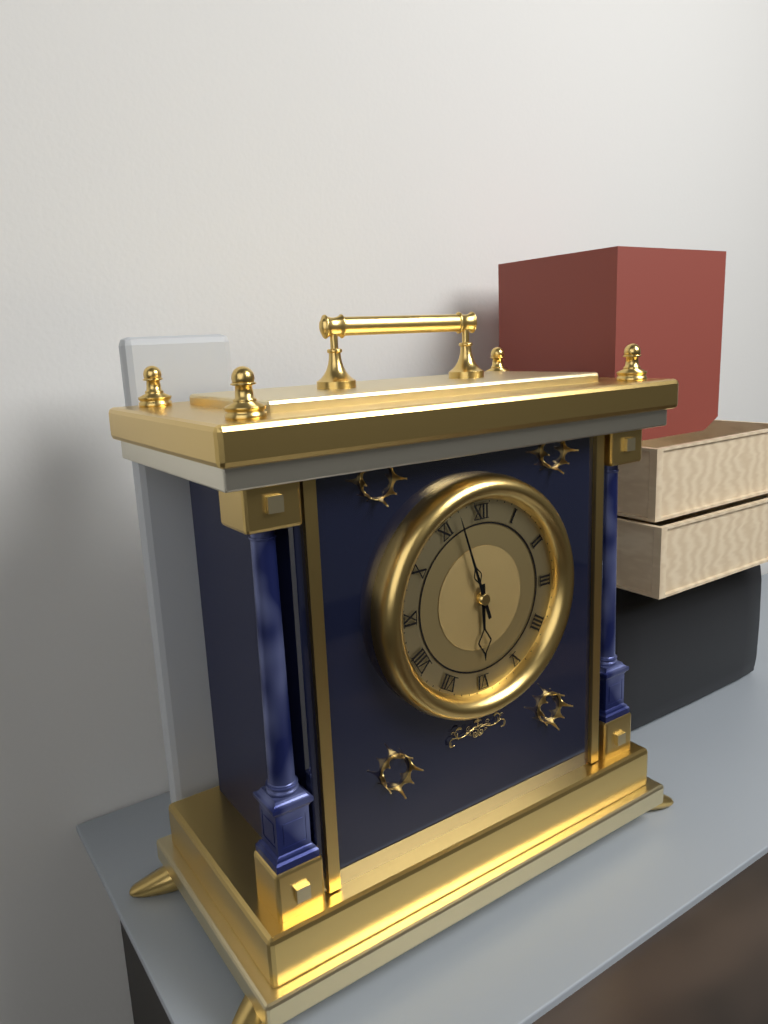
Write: 5:57
